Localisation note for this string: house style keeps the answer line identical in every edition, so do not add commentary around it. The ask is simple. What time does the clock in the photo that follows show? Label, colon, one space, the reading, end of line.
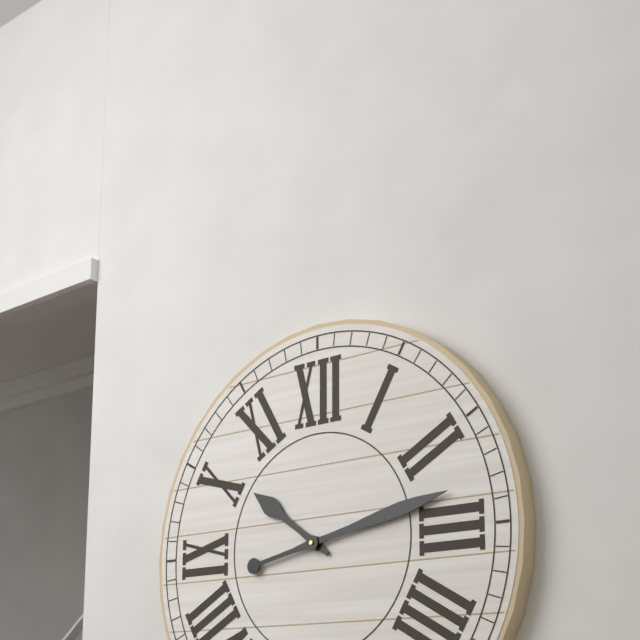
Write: 10:13
